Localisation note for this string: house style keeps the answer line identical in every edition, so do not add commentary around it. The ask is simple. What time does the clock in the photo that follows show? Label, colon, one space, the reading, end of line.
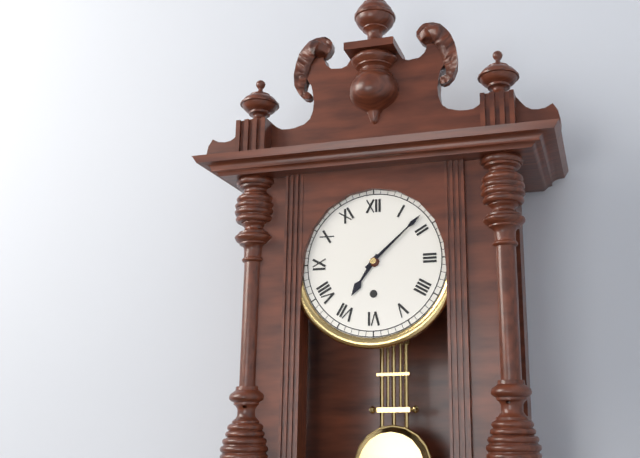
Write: 7:08
